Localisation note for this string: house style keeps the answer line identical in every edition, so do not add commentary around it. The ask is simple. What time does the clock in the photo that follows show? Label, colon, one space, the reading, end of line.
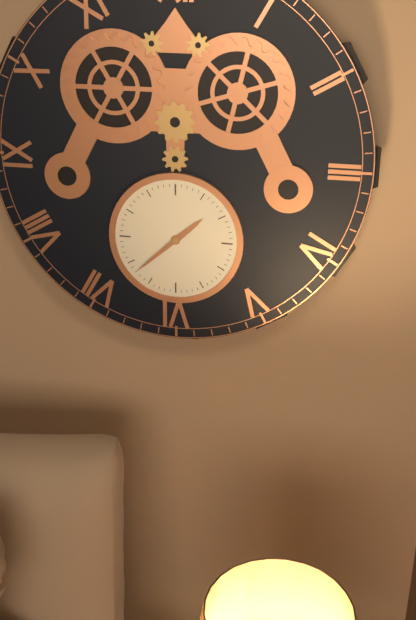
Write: 1:38
